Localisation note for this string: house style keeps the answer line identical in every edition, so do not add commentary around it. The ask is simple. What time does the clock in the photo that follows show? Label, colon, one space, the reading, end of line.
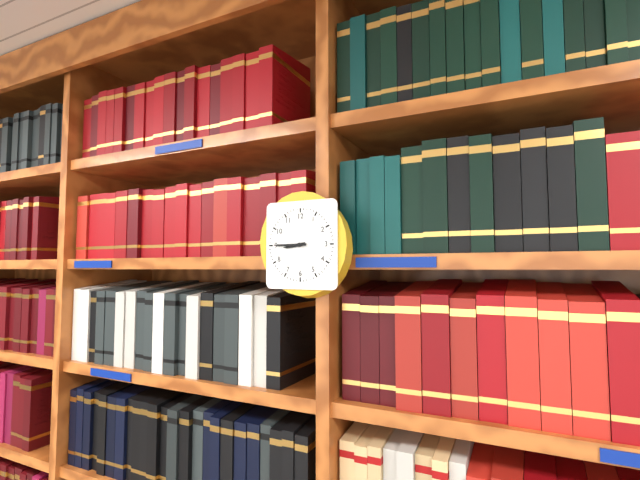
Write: 8:45
